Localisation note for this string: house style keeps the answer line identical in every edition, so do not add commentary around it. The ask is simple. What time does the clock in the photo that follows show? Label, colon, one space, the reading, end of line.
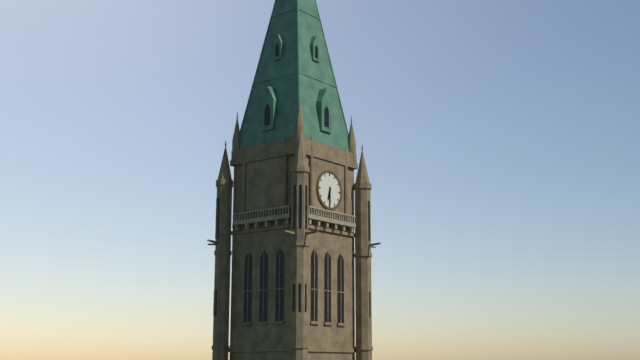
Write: 6:30
